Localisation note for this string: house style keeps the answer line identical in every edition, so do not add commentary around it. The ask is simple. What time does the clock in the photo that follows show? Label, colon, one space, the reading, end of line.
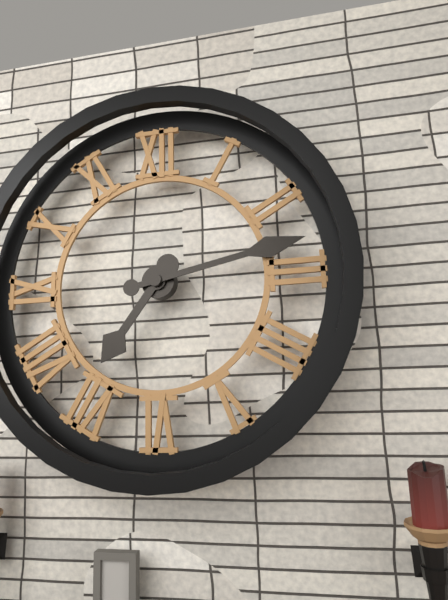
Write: 7:13
